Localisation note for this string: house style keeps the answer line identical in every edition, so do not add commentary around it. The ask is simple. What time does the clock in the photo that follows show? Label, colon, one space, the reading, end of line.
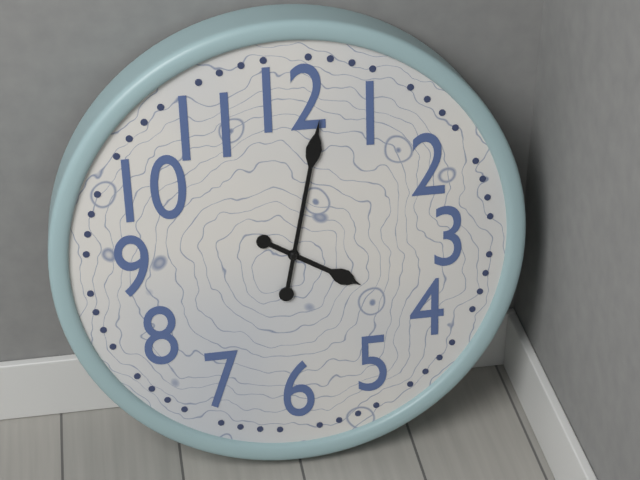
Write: 4:02
